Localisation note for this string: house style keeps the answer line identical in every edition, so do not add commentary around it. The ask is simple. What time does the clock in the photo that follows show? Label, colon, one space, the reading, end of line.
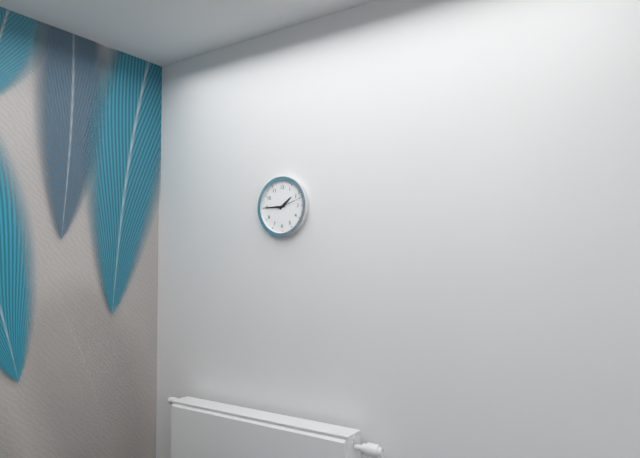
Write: 1:45
